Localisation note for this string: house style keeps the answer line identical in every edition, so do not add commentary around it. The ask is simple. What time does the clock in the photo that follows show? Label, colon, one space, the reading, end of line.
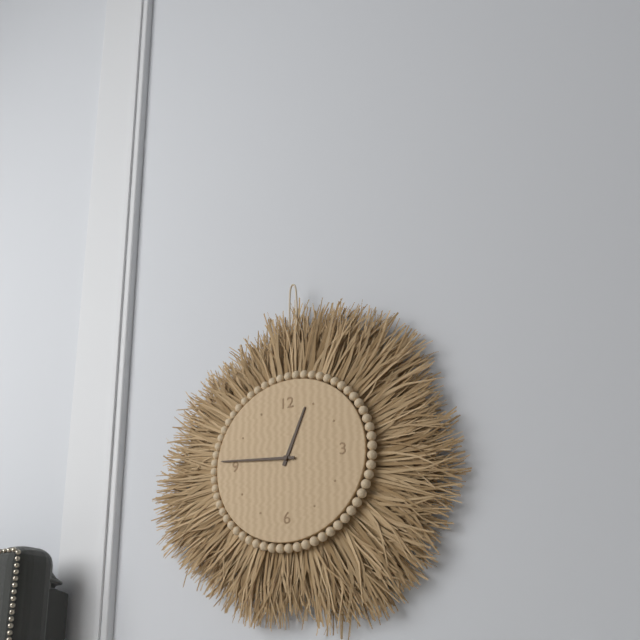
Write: 12:46
